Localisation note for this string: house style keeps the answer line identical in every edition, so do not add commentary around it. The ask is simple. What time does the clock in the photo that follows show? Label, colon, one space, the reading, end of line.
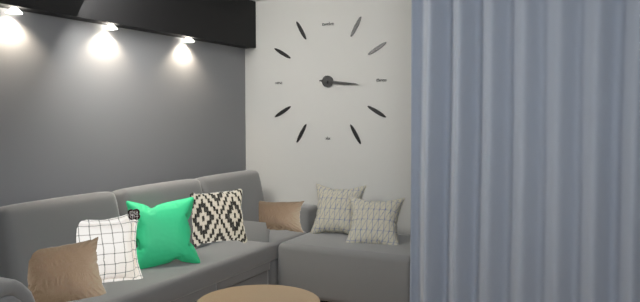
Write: 3:16
